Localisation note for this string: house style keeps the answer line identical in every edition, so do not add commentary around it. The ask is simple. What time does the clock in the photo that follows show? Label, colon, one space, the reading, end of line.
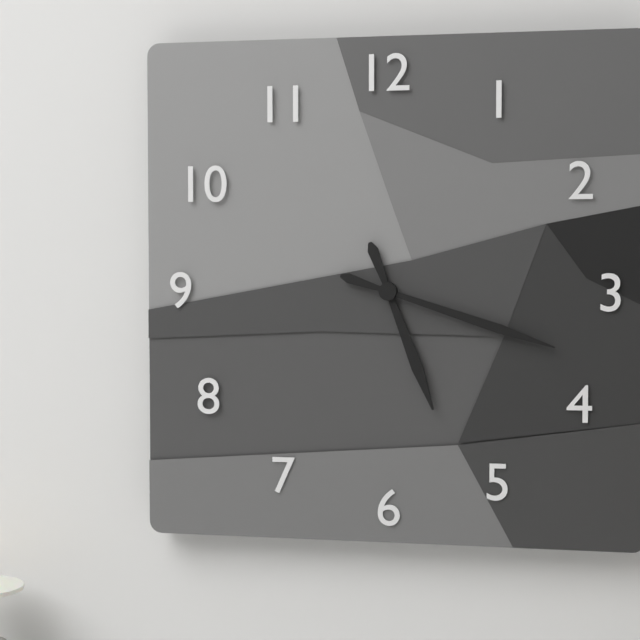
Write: 5:18
